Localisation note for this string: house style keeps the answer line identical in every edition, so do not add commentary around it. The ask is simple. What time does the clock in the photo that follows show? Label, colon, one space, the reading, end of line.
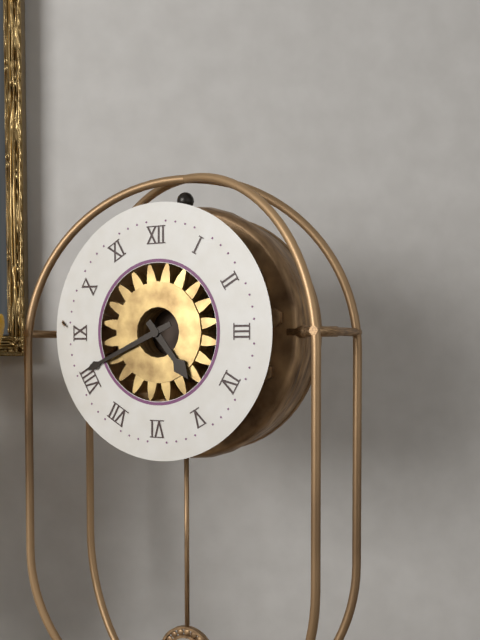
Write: 4:41
